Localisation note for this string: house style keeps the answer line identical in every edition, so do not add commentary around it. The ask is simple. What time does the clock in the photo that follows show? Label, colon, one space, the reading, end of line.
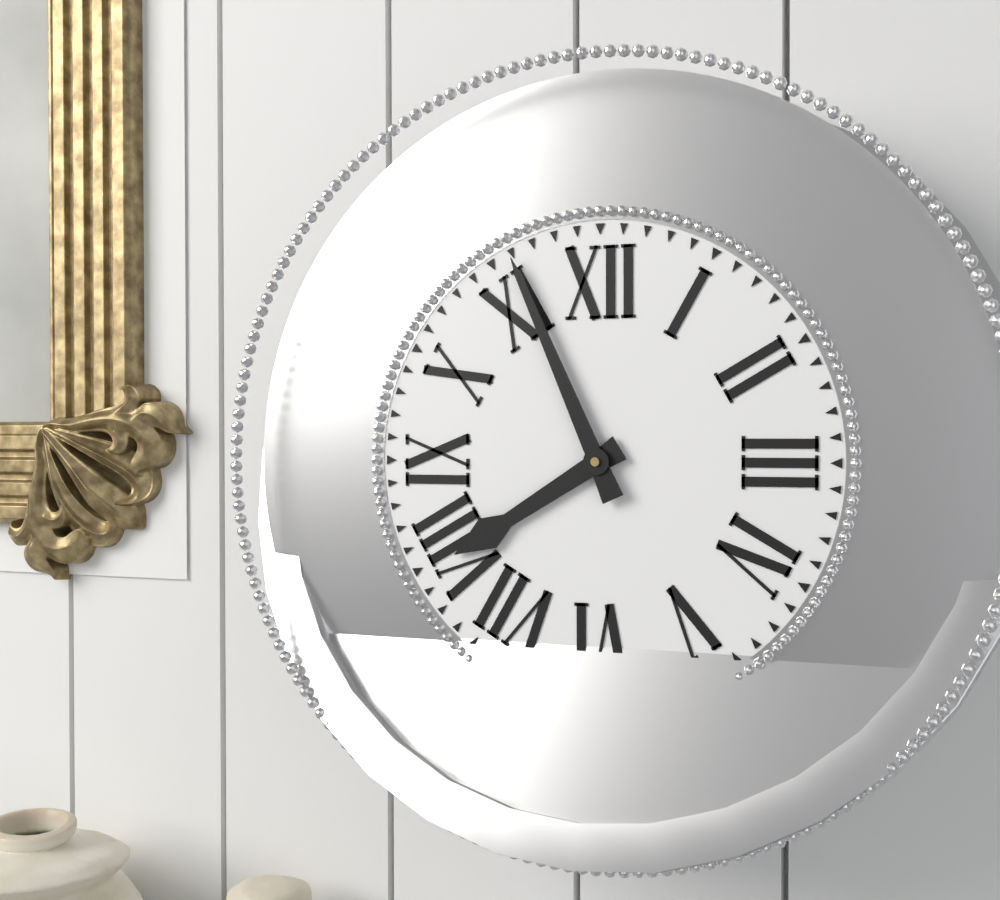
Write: 7:56
